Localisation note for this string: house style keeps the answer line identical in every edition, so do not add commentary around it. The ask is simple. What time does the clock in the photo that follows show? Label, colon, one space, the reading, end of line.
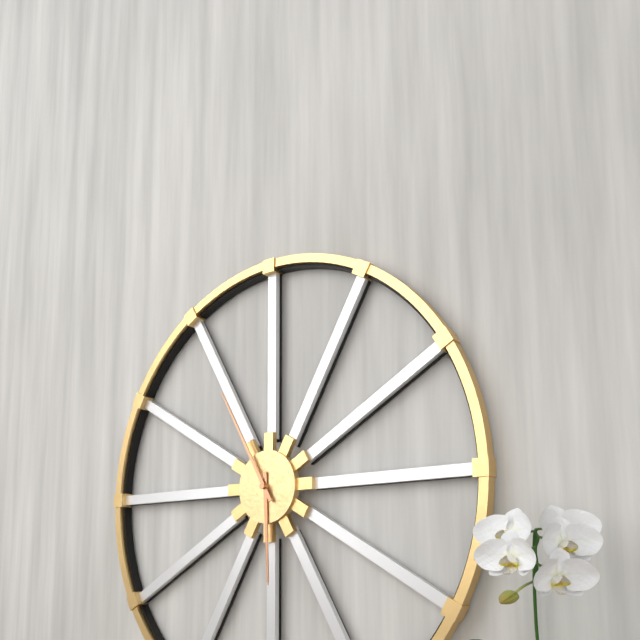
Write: 5:55
